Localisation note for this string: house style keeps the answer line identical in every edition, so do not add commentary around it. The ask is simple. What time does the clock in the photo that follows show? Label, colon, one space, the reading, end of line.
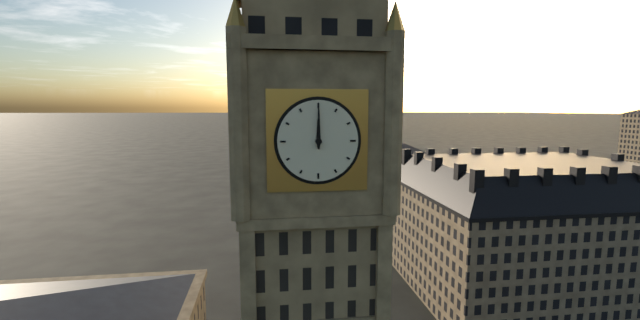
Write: 12:00
